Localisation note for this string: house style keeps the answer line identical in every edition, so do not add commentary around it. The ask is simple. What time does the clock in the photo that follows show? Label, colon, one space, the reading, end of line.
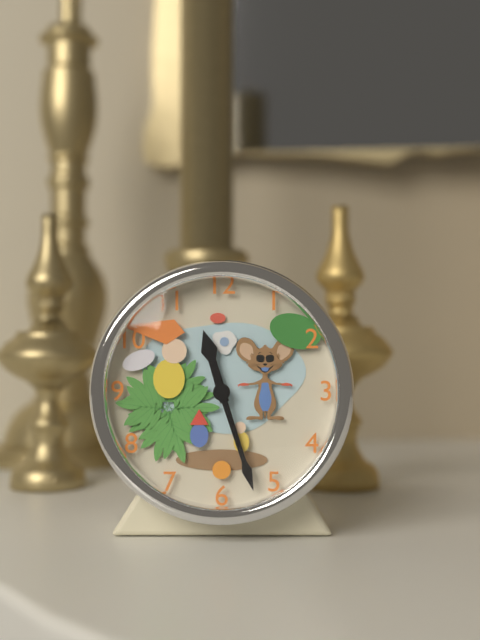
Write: 11:27
